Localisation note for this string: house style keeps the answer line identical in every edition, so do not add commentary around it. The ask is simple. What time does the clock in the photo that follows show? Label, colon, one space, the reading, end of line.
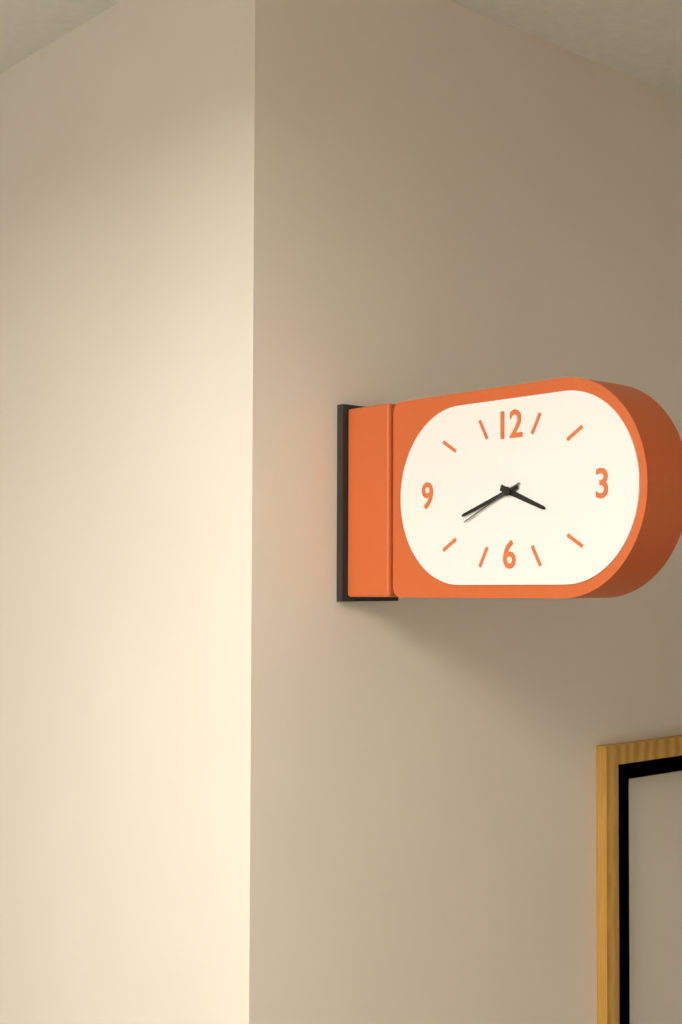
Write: 3:42:41
